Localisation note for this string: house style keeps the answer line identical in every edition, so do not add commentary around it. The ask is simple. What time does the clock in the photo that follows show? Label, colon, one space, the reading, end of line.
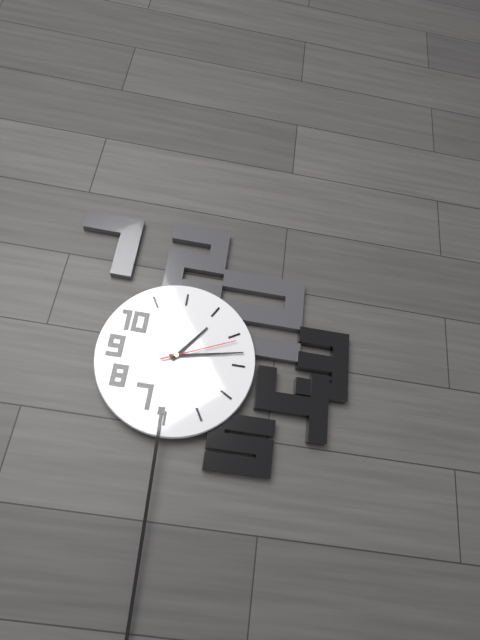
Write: 1:13:11
